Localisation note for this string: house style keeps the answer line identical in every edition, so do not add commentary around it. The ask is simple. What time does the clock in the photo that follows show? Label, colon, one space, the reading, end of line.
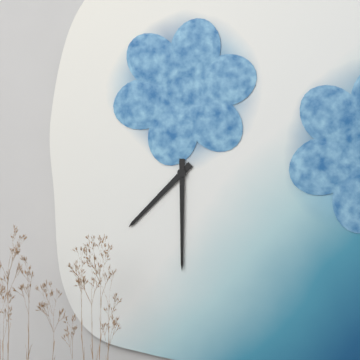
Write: 7:30
